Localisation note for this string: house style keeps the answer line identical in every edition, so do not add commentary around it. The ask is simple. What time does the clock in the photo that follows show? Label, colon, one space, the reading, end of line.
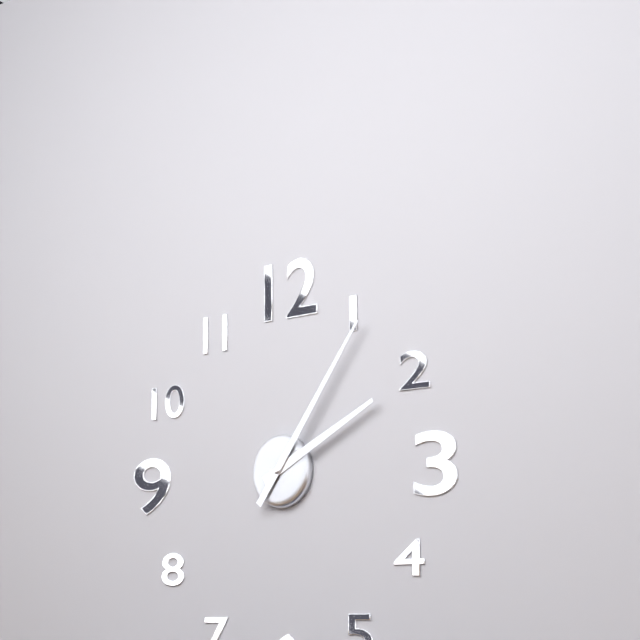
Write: 2:06
